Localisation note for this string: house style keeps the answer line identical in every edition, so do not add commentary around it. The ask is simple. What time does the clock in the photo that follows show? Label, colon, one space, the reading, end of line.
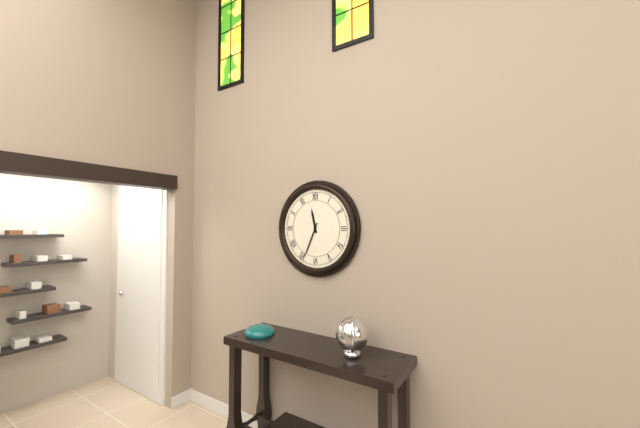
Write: 11:34
